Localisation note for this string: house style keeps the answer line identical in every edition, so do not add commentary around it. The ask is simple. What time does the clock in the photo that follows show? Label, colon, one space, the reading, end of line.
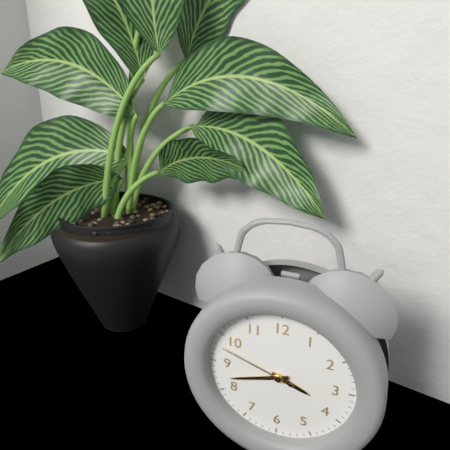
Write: 3:42:48
